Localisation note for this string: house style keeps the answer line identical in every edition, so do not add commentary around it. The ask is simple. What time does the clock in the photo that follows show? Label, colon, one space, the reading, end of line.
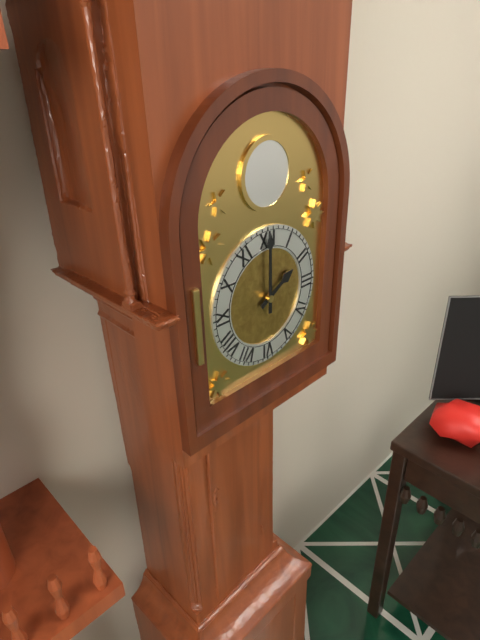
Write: 2:00
